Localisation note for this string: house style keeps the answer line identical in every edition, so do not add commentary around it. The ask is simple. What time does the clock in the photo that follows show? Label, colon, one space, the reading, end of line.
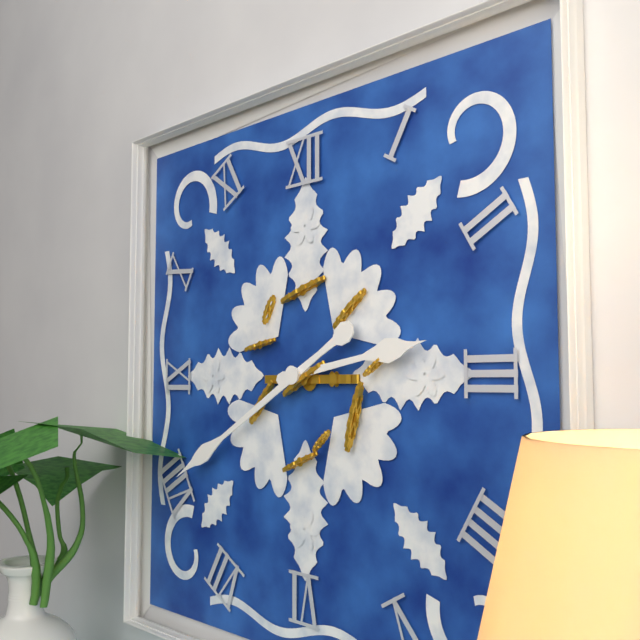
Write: 2:40
